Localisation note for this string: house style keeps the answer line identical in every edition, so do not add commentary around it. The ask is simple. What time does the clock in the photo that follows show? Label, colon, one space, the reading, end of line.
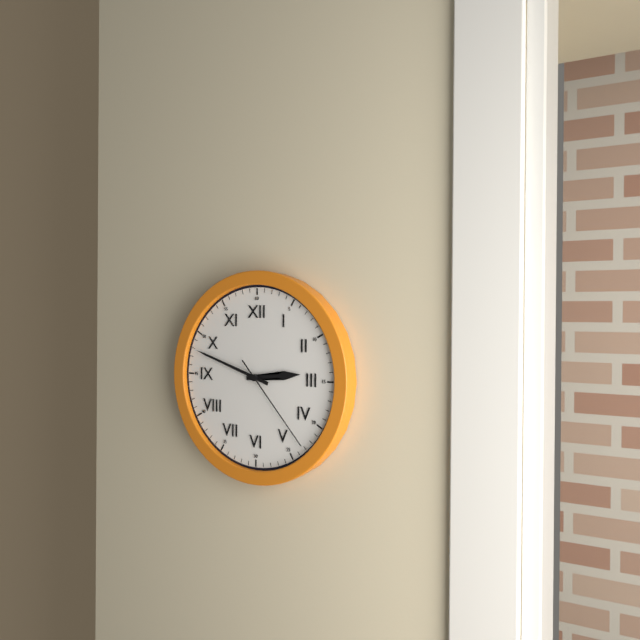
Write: 2:48:23
